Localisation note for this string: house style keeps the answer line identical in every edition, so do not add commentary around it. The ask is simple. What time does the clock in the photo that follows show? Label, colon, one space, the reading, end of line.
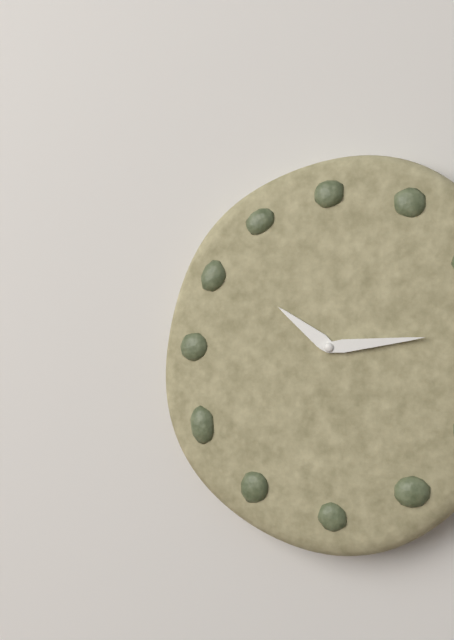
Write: 10:14
